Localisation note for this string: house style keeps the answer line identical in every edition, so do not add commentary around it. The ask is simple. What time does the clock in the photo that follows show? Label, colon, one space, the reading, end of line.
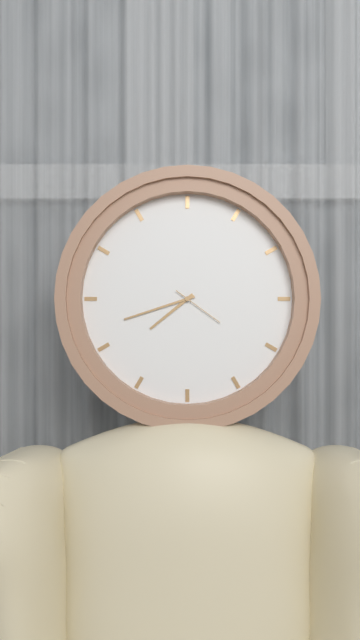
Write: 7:42:21
